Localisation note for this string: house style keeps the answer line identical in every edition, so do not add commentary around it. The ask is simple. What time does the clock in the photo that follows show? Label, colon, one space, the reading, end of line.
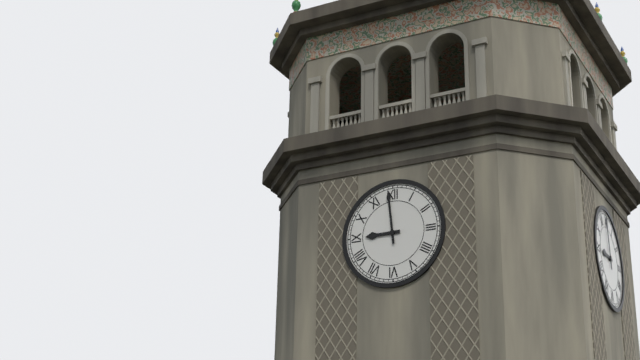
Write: 8:59
